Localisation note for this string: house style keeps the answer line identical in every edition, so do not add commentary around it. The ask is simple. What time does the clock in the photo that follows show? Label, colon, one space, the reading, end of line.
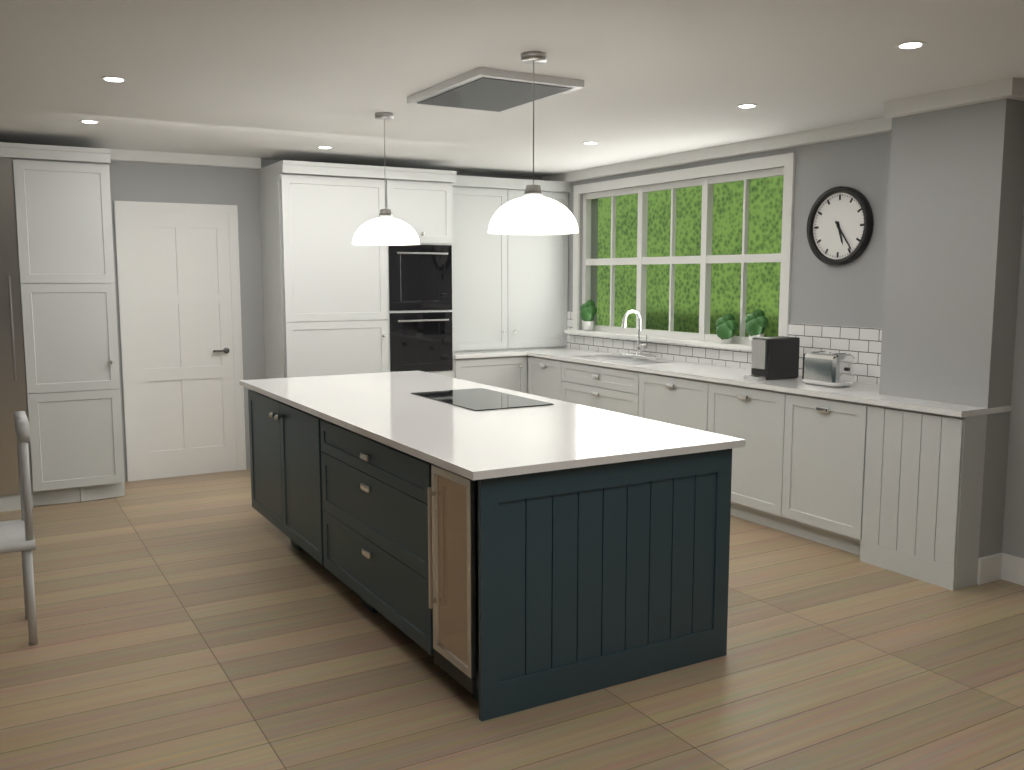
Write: 5:24
